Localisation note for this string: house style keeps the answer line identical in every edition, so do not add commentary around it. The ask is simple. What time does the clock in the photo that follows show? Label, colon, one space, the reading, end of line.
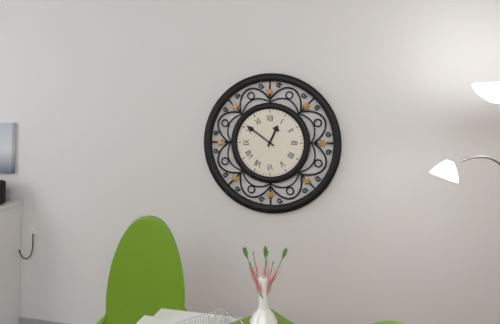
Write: 12:51
